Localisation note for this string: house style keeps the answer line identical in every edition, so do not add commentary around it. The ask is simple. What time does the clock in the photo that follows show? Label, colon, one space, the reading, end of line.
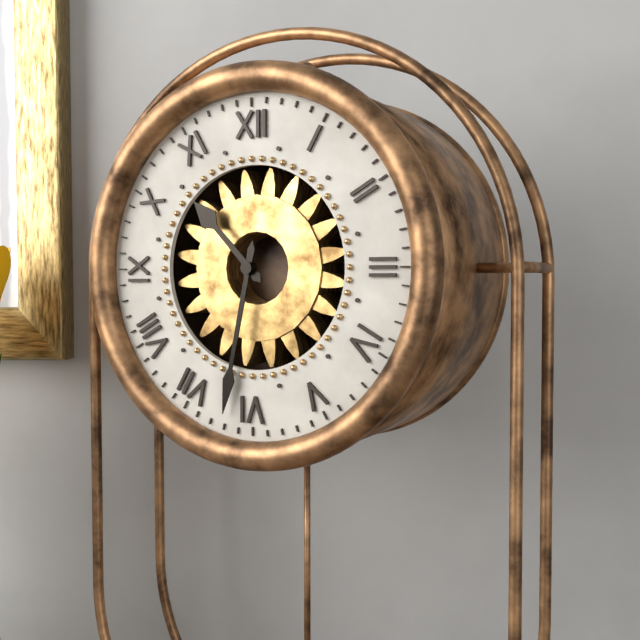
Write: 10:32
